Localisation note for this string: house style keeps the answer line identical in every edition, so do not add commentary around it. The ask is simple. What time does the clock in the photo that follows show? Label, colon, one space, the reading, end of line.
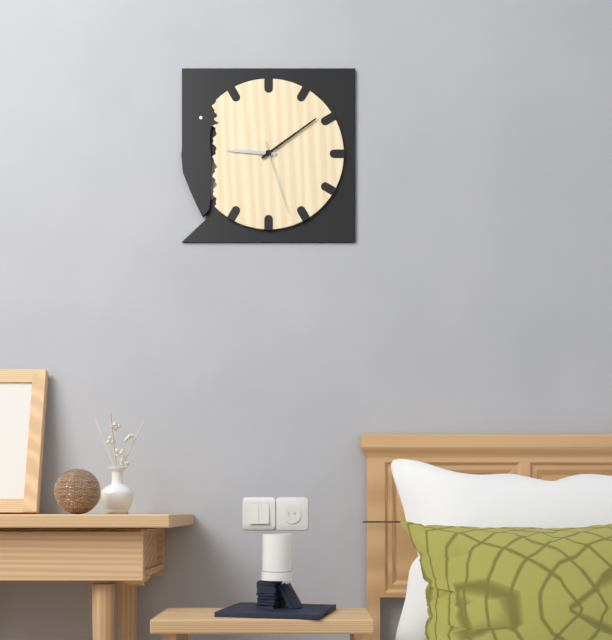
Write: 9:09:27
